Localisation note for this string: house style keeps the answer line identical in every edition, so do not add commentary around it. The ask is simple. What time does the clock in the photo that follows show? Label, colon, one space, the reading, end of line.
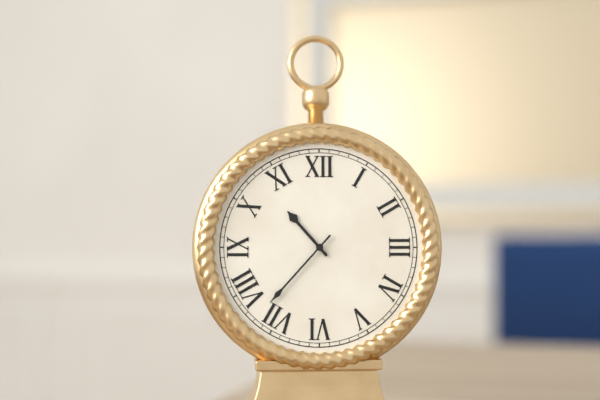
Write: 10:37
